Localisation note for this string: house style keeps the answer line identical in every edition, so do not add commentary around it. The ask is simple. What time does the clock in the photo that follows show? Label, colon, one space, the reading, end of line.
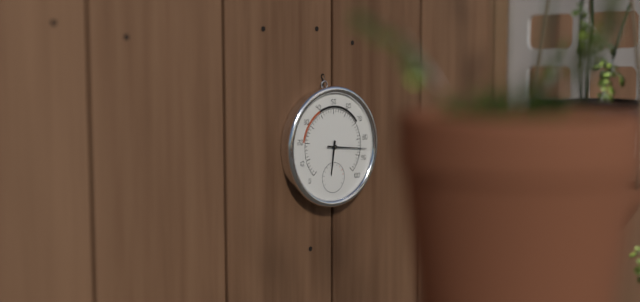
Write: 6:16
